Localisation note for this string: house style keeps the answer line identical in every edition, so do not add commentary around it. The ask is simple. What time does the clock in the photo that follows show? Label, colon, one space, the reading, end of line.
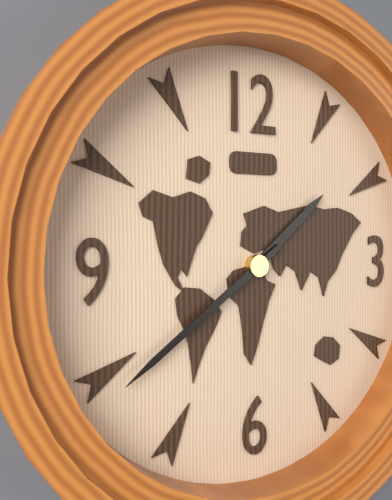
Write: 1:39
